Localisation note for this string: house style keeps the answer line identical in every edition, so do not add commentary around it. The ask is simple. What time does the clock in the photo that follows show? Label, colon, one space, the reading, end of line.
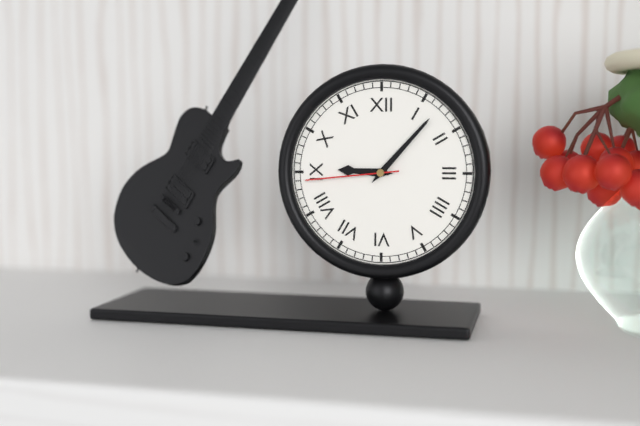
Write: 9:07:44
